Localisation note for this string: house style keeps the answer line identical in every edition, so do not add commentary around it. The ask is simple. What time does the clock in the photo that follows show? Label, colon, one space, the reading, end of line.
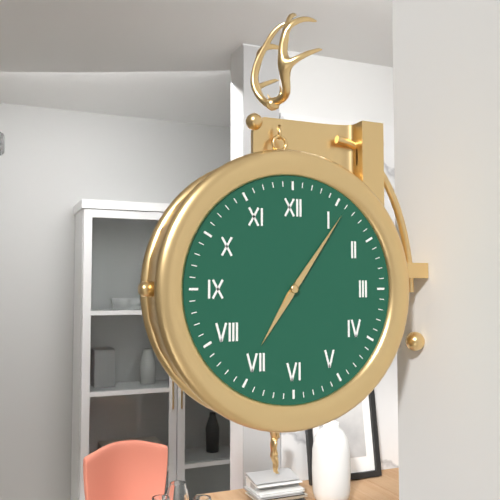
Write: 7:06
